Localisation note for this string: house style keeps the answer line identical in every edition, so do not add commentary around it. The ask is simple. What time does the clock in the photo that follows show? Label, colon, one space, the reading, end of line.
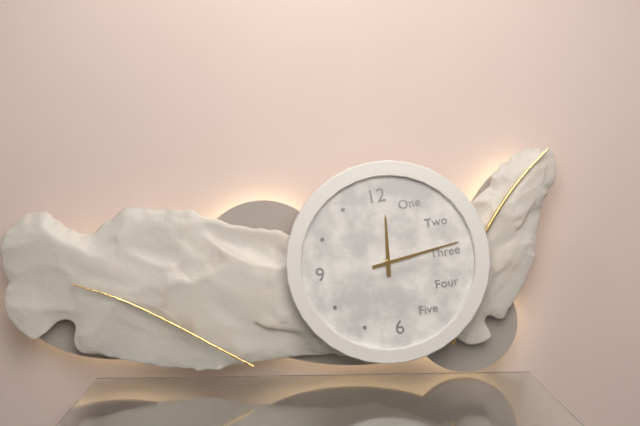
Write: 12:14
